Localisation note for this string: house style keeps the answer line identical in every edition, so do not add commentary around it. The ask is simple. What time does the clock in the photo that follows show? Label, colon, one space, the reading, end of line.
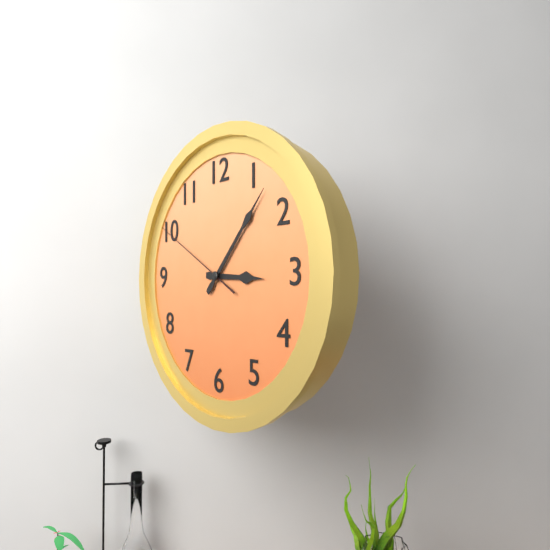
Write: 3:07:50
